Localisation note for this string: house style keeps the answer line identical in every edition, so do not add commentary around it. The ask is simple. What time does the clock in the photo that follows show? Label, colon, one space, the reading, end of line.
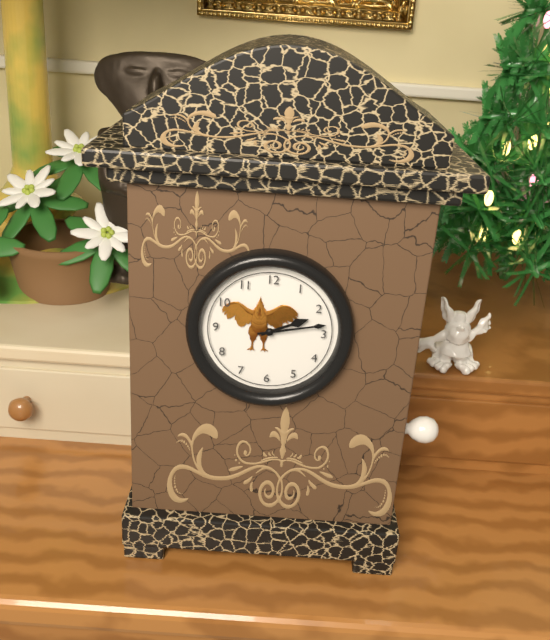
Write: 2:13
